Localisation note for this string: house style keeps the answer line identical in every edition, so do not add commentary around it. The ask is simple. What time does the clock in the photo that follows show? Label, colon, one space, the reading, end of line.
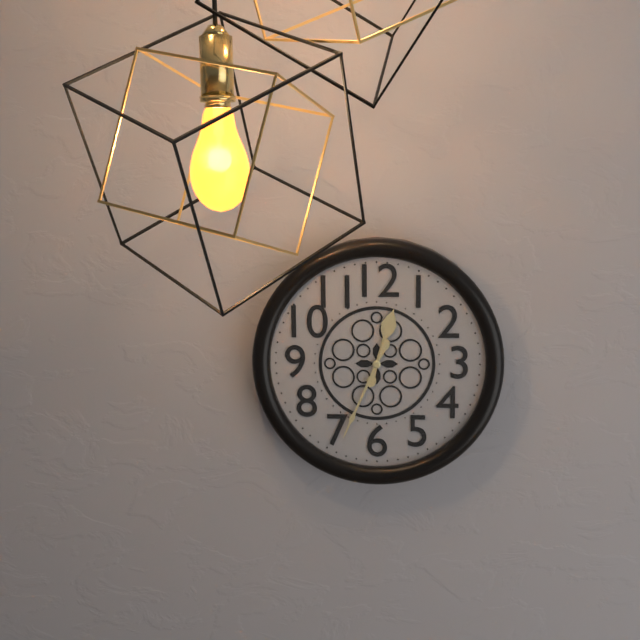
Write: 12:34
